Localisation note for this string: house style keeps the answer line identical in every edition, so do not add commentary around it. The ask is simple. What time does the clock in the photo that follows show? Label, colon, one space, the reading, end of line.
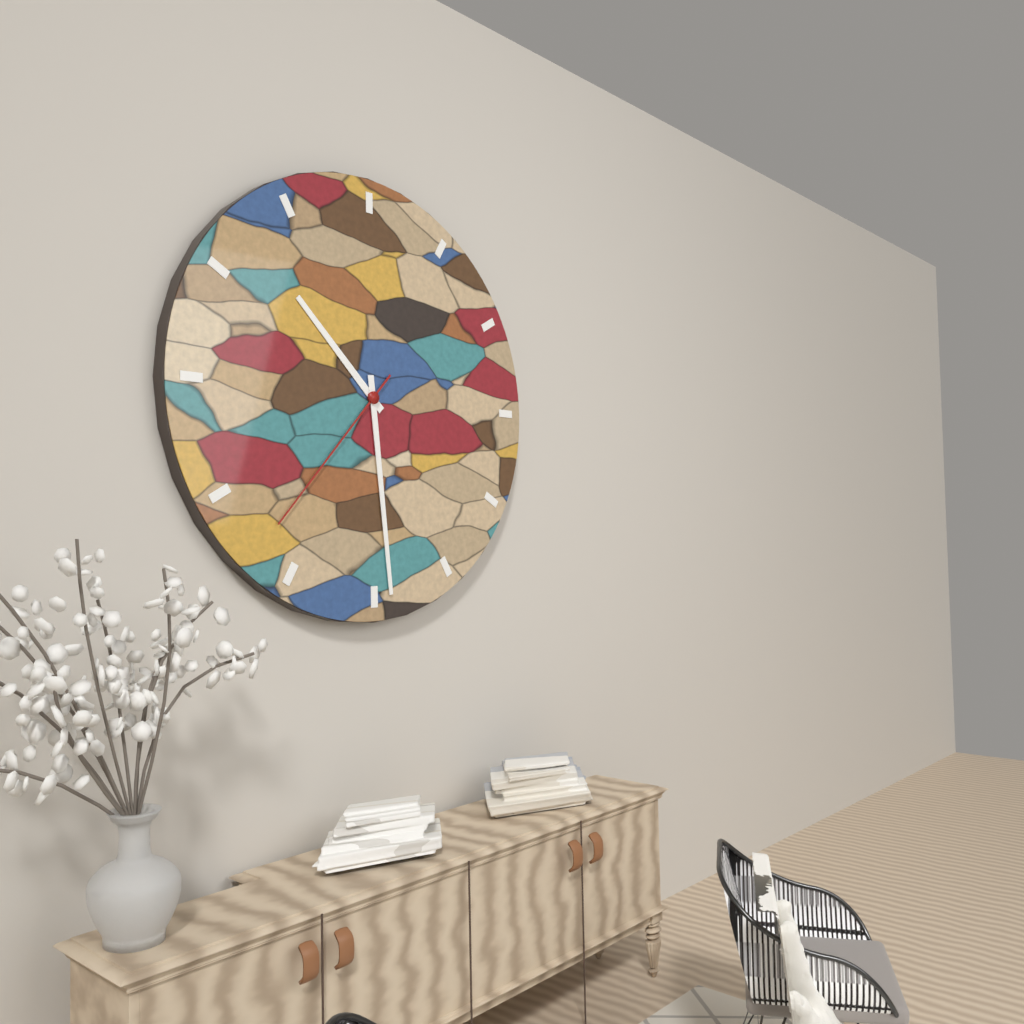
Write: 10:29:37
